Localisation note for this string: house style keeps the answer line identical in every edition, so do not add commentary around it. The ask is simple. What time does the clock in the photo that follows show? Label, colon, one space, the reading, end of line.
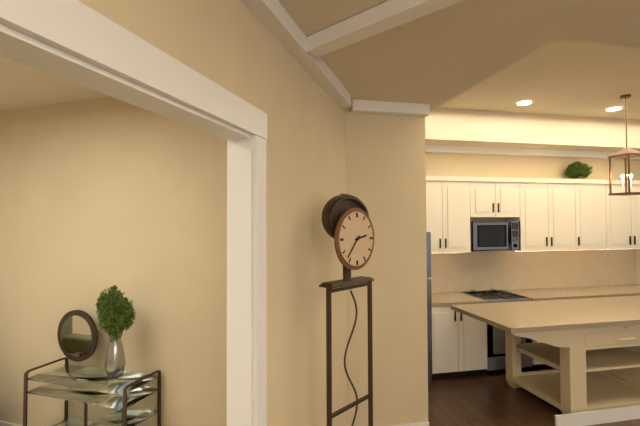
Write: 2:37
